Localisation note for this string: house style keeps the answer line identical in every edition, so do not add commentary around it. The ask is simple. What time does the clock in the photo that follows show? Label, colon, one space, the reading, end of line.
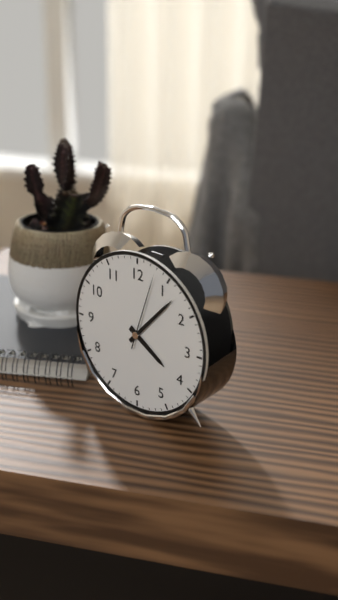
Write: 4:07:03
